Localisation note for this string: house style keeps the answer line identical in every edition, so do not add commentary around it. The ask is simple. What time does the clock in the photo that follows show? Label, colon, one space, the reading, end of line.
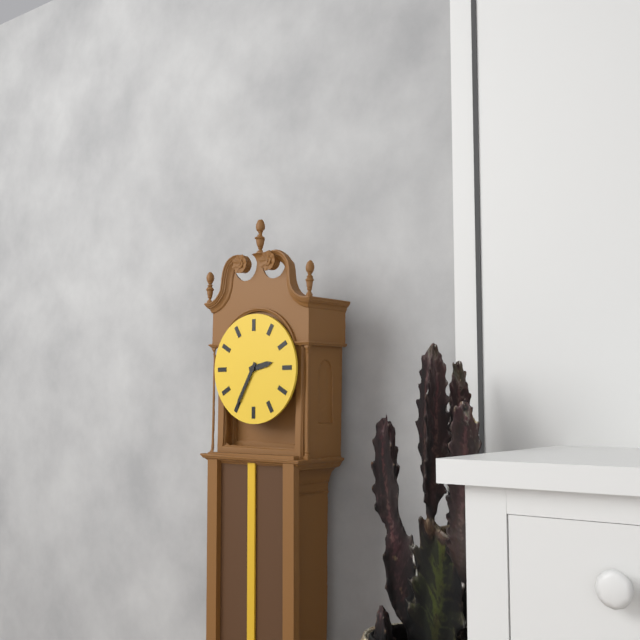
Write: 2:35
